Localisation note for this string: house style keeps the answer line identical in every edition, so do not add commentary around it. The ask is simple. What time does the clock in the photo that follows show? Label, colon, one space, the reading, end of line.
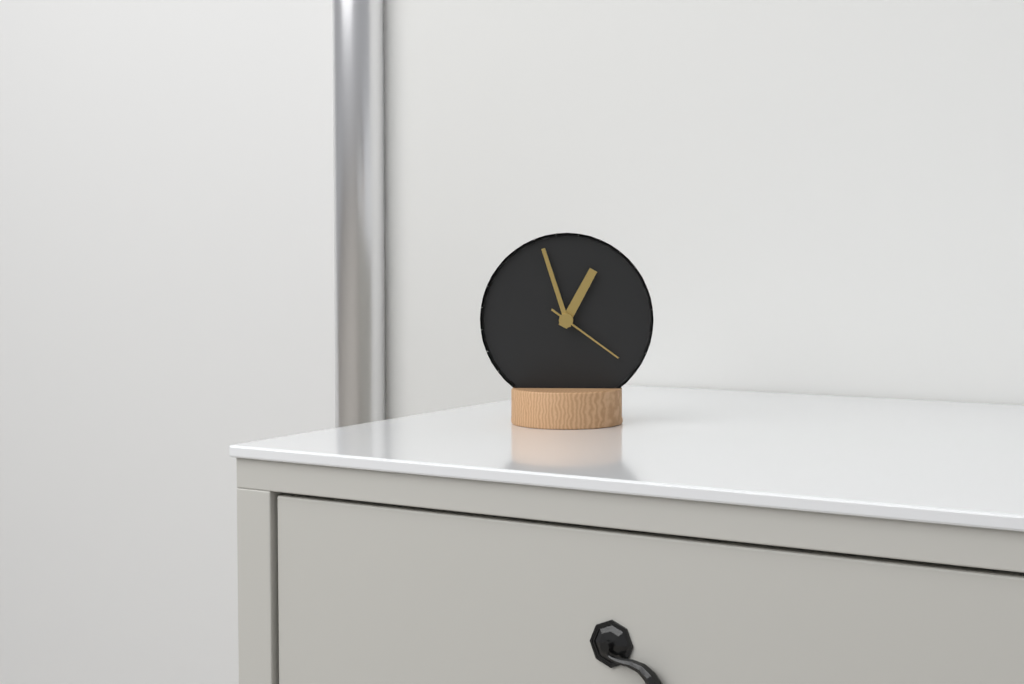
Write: 12:57:21
